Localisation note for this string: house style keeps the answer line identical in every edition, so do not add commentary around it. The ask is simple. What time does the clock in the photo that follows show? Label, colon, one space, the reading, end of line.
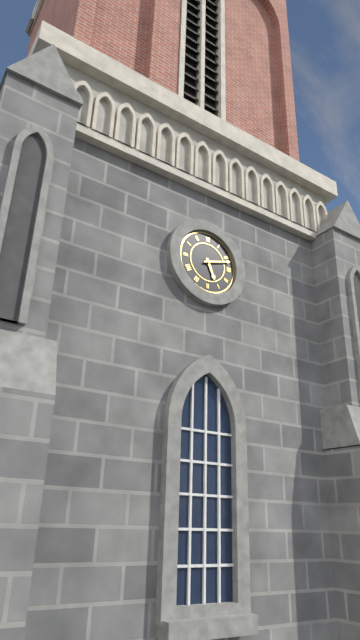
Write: 5:12
